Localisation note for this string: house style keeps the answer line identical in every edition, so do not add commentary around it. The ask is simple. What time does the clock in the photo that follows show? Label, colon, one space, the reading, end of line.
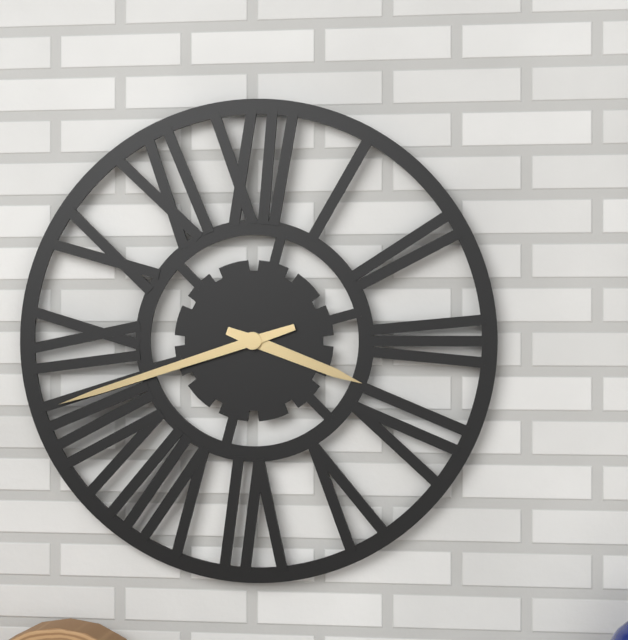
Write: 3:42
